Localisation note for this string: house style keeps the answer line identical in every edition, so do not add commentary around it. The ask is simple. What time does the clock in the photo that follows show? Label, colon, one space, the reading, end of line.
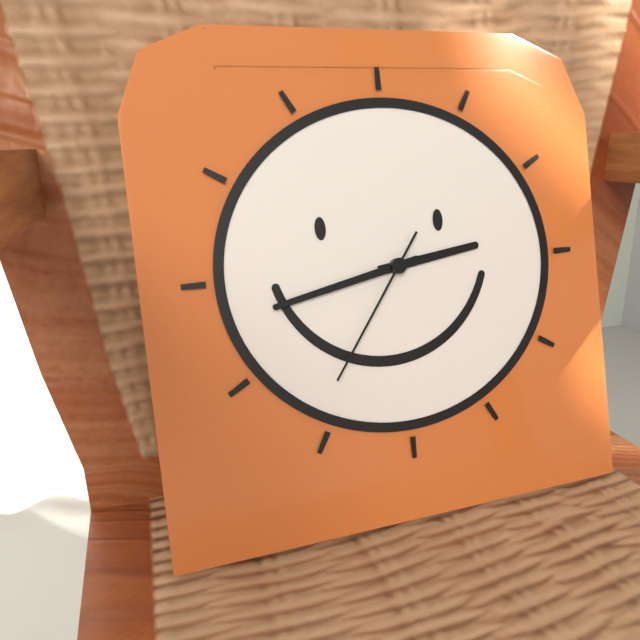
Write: 2:43:36
